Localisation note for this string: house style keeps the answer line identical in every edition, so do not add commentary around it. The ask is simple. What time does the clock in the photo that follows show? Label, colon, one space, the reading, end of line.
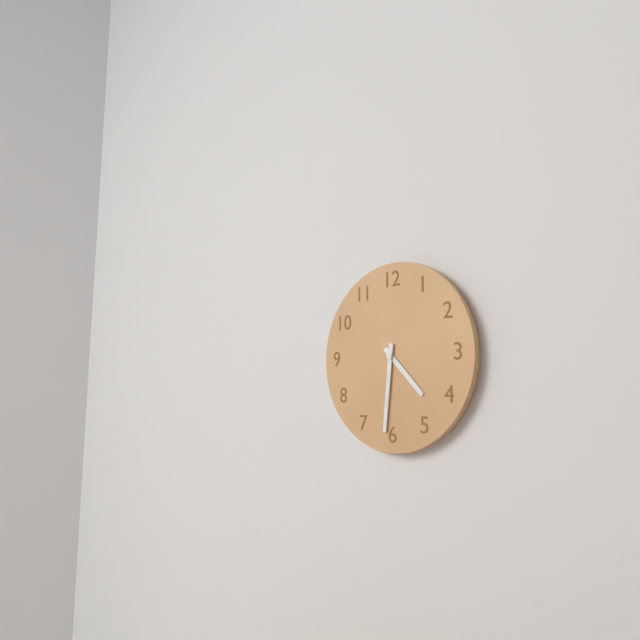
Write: 4:31
